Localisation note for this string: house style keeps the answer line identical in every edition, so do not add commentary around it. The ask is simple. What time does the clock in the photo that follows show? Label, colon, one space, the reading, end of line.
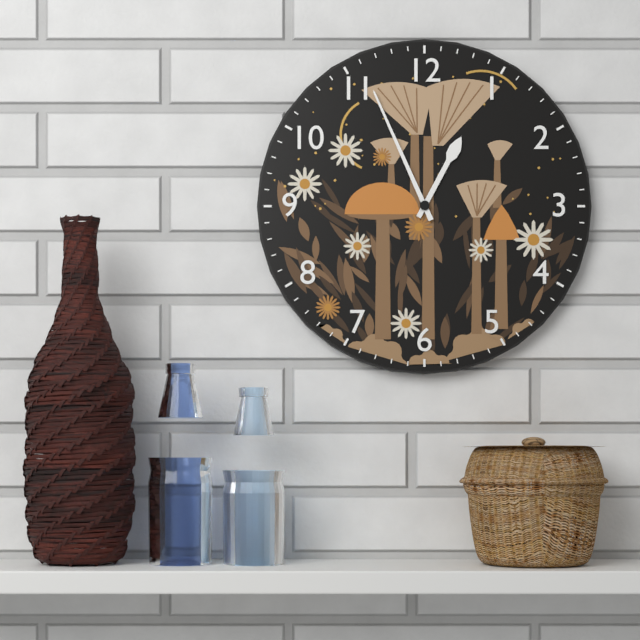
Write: 12:56
